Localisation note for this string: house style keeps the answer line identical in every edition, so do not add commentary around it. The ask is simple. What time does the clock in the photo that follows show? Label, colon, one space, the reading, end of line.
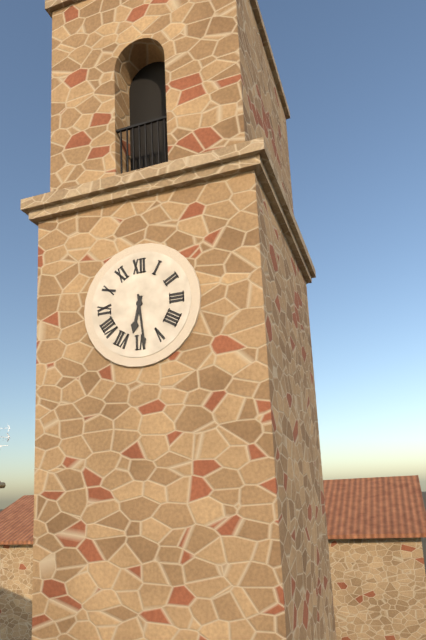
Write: 6:29
